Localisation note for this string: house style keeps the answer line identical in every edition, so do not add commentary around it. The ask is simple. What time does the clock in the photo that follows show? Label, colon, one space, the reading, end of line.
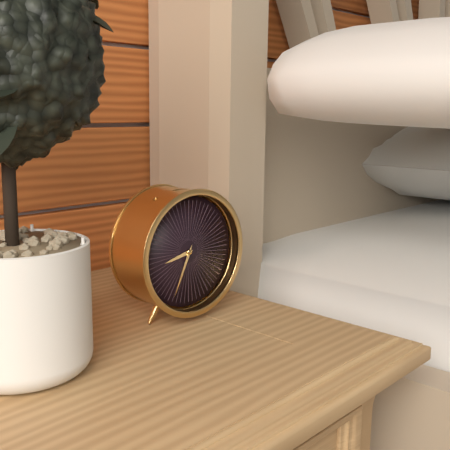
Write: 8:34
